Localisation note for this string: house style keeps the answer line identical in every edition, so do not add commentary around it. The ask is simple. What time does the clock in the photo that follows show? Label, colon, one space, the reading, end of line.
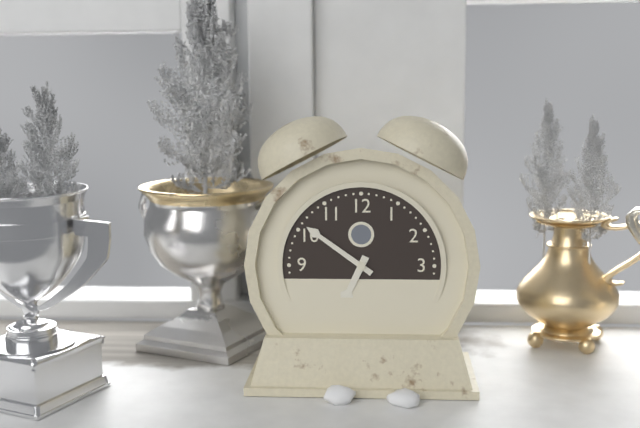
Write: 6:51
